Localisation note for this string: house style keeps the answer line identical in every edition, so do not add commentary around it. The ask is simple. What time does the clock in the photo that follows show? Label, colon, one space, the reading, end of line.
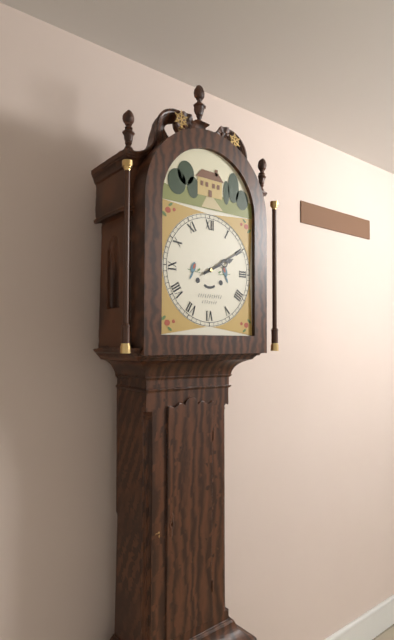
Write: 2:10
